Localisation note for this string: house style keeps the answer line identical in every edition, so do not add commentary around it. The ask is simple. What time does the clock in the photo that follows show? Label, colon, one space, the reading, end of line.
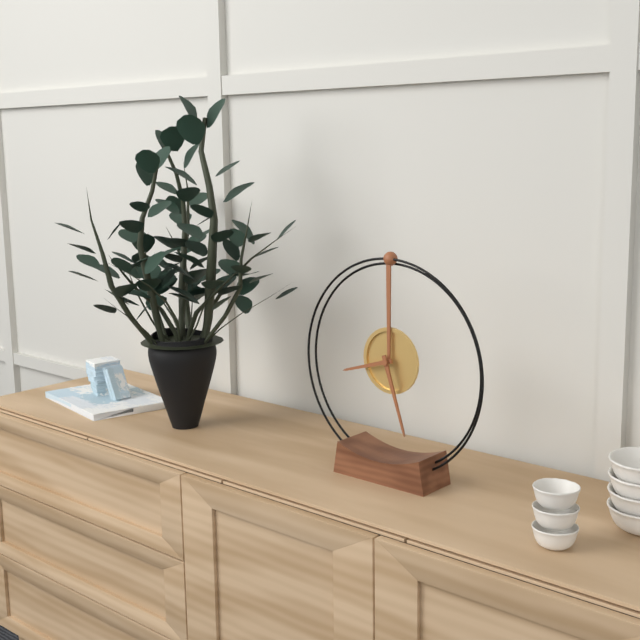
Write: 8:27
